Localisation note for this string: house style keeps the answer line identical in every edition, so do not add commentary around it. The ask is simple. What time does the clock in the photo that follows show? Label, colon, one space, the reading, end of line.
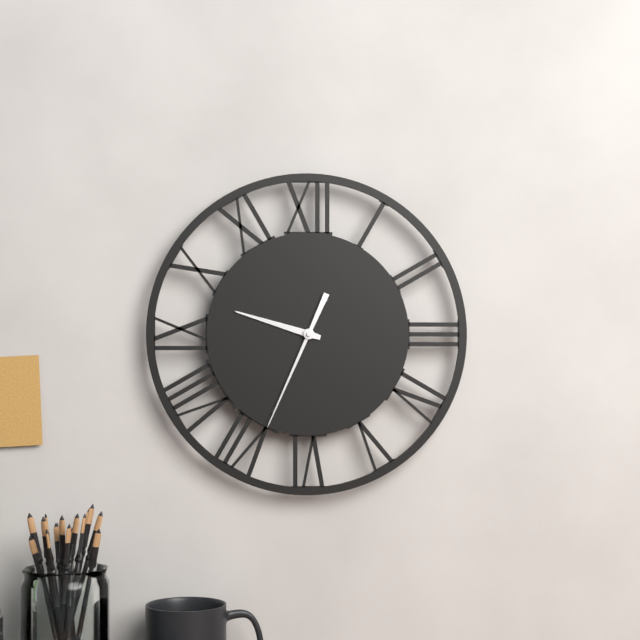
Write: 9:34
